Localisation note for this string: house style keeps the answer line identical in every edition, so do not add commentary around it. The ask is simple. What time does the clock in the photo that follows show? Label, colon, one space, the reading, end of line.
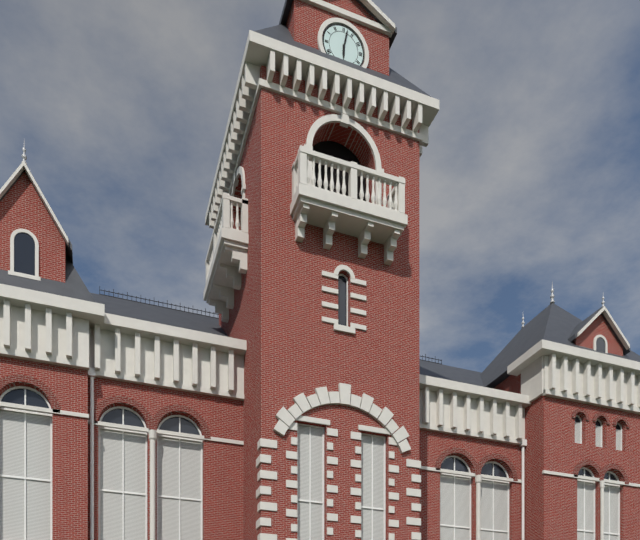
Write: 6:02
